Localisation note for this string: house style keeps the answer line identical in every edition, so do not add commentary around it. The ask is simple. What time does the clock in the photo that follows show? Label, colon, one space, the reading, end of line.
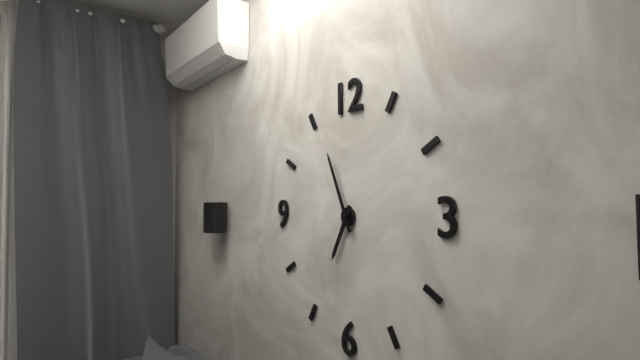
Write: 6:56
